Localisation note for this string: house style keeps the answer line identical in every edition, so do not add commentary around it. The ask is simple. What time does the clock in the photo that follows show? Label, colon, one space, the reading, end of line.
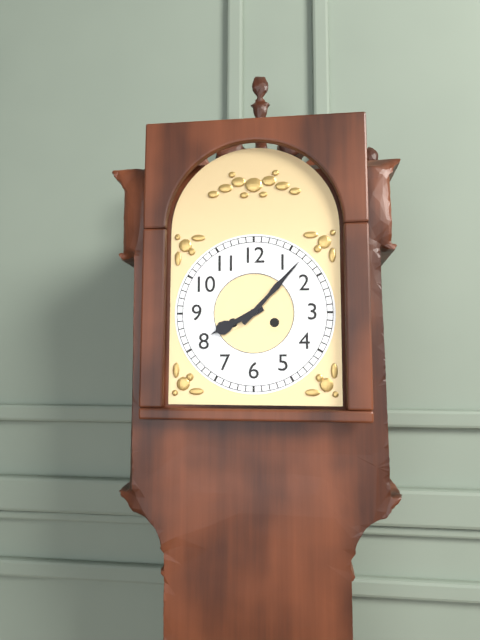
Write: 8:07
